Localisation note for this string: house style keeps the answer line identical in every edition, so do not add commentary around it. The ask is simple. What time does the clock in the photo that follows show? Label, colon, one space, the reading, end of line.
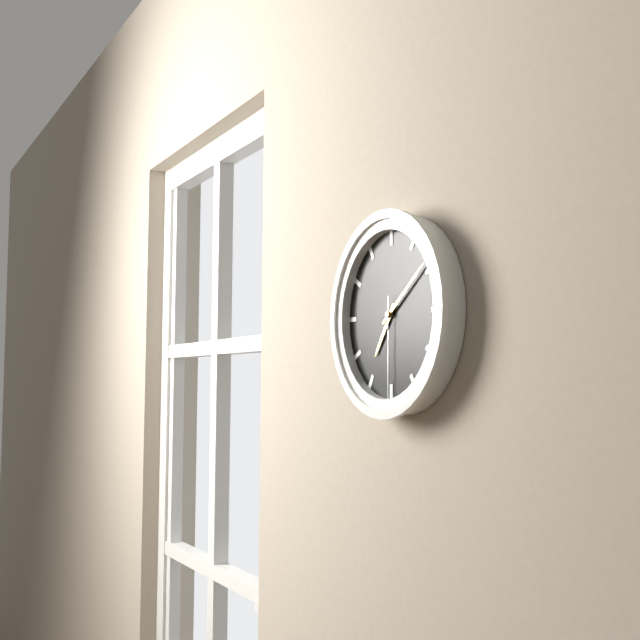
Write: 7:09:30
